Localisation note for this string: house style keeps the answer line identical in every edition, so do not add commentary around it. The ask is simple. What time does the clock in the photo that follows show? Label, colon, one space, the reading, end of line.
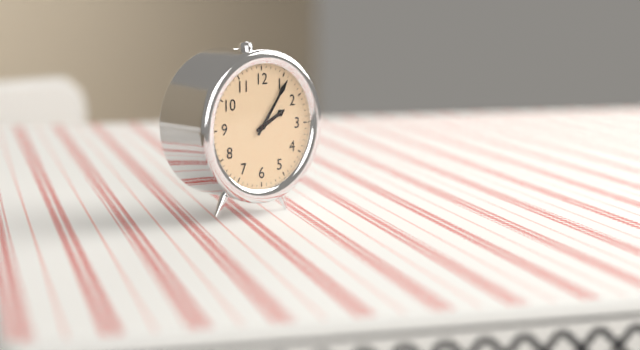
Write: 2:06
